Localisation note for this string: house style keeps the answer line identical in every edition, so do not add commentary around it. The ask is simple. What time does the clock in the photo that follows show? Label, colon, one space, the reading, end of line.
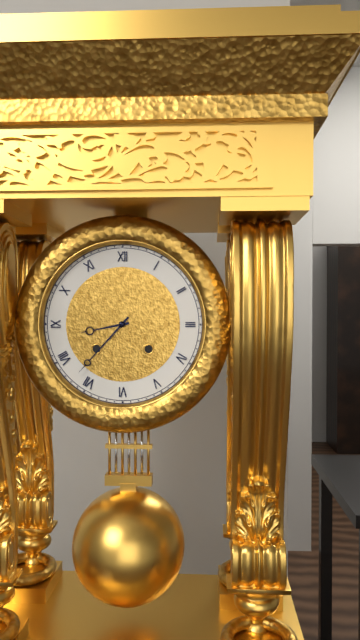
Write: 8:37
